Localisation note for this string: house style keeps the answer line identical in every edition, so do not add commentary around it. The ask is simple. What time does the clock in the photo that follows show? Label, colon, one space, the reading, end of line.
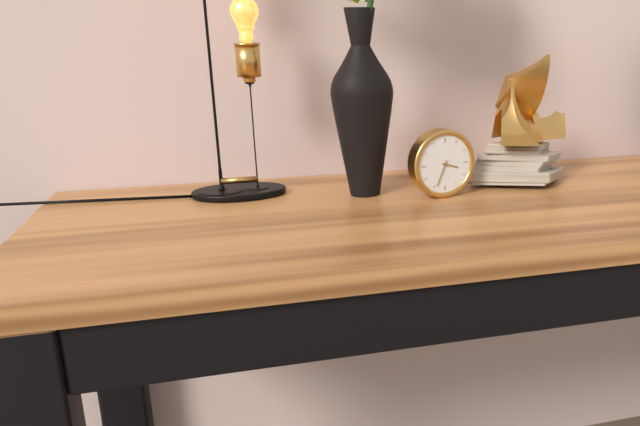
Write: 3:34
